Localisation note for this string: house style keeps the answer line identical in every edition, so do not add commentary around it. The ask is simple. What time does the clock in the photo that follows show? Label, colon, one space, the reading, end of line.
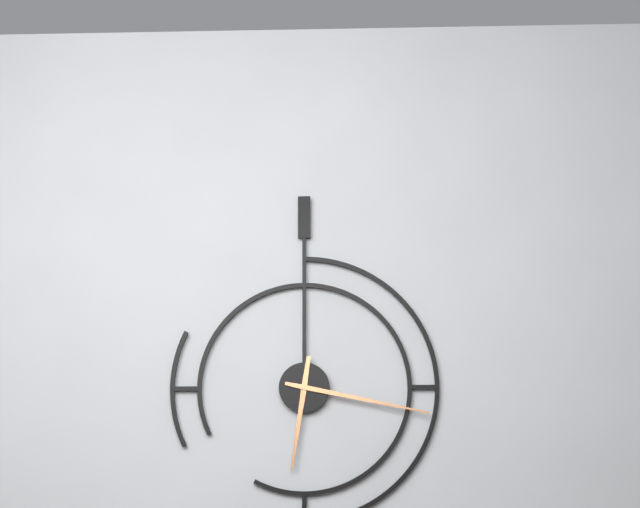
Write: 6:17
